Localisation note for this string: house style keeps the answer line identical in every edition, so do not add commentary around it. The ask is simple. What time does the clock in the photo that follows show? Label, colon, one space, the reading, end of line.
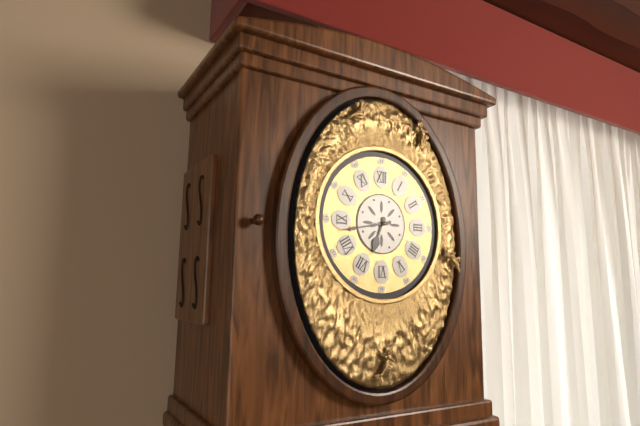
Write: 6:43
